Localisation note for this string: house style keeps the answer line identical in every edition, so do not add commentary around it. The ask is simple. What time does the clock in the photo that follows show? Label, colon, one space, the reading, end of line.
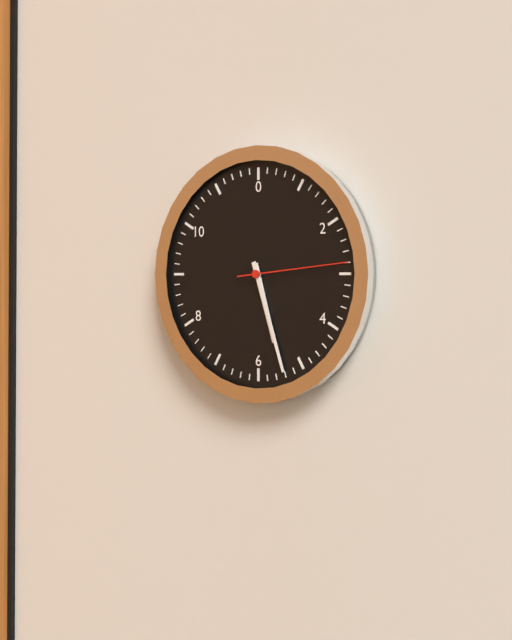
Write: 5:27:14
